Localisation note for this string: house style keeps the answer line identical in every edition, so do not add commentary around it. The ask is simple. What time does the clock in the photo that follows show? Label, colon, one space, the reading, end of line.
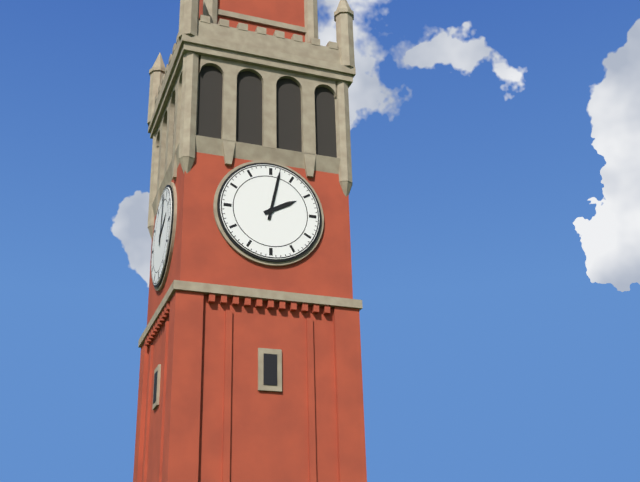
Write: 2:02
